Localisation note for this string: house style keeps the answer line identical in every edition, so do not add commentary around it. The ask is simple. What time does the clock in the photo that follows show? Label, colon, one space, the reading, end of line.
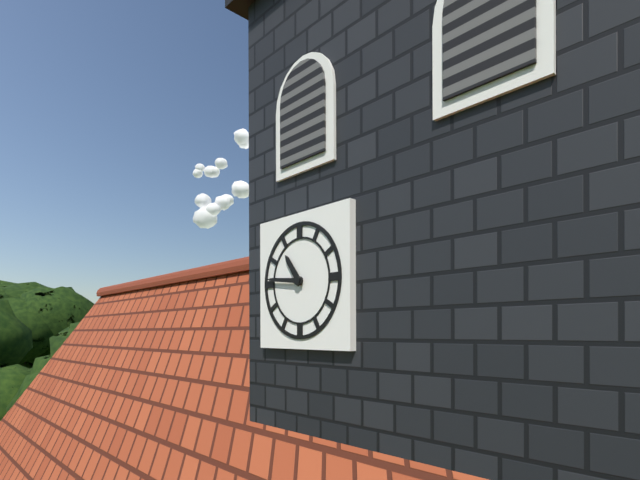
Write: 10:46
